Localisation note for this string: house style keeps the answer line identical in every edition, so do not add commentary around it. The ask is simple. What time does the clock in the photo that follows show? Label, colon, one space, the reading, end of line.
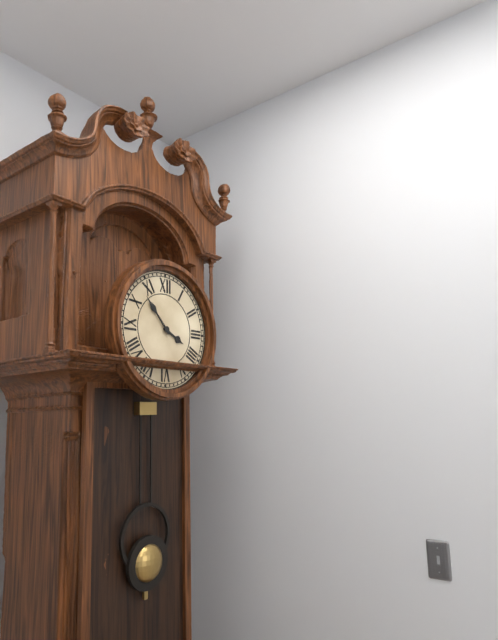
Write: 3:53
